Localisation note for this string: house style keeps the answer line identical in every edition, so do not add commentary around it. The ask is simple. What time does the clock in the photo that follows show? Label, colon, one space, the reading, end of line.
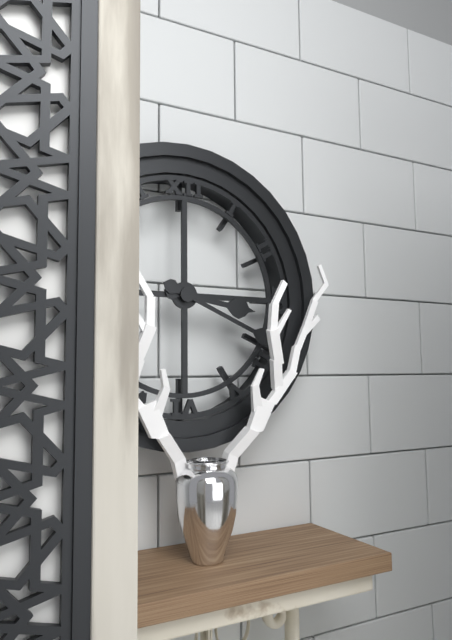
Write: 3:19
